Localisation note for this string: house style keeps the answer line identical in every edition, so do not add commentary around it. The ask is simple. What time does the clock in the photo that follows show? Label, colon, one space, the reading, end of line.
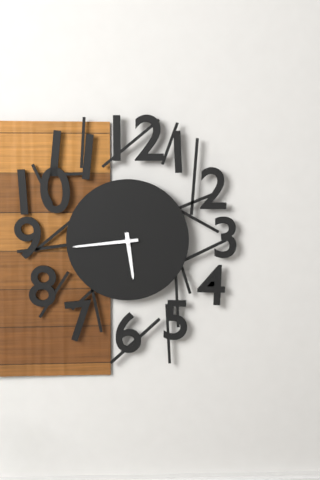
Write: 5:44
